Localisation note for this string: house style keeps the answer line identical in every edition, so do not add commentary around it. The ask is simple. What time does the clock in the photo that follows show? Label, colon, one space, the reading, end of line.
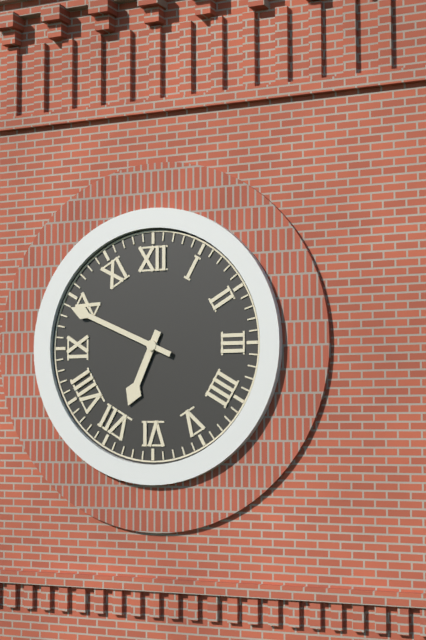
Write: 6:49
